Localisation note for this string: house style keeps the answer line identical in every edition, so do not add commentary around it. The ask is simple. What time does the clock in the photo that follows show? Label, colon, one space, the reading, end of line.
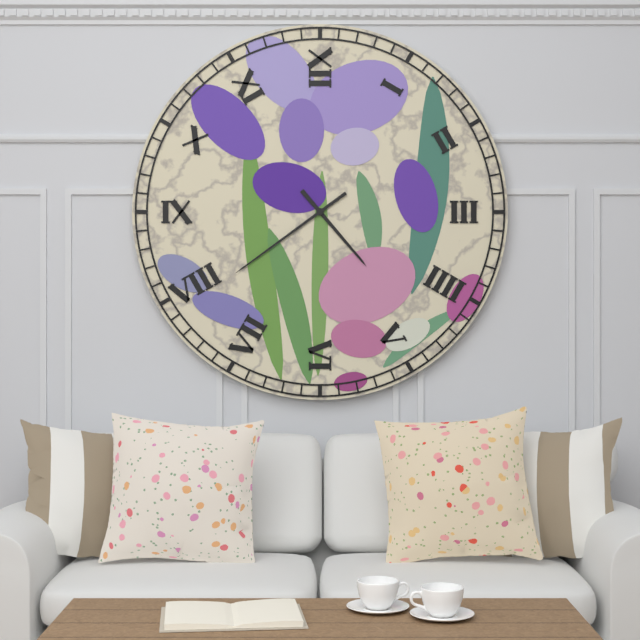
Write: 4:39
